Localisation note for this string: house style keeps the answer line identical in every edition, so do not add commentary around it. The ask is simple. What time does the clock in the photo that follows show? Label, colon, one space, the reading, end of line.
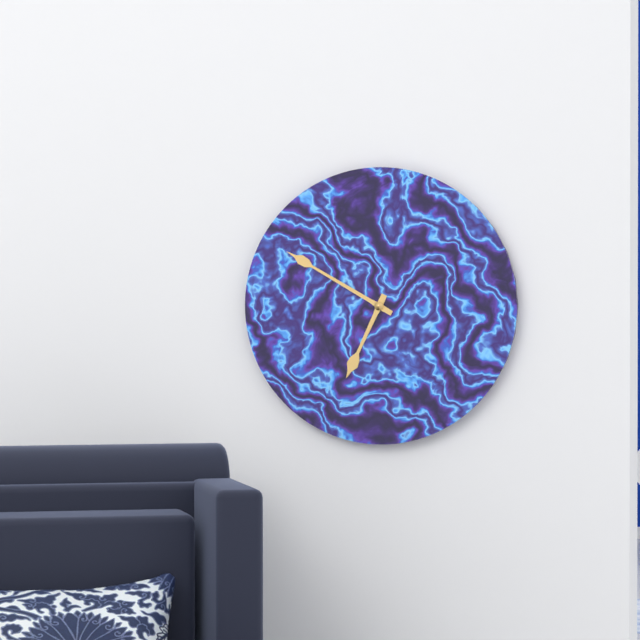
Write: 6:50
